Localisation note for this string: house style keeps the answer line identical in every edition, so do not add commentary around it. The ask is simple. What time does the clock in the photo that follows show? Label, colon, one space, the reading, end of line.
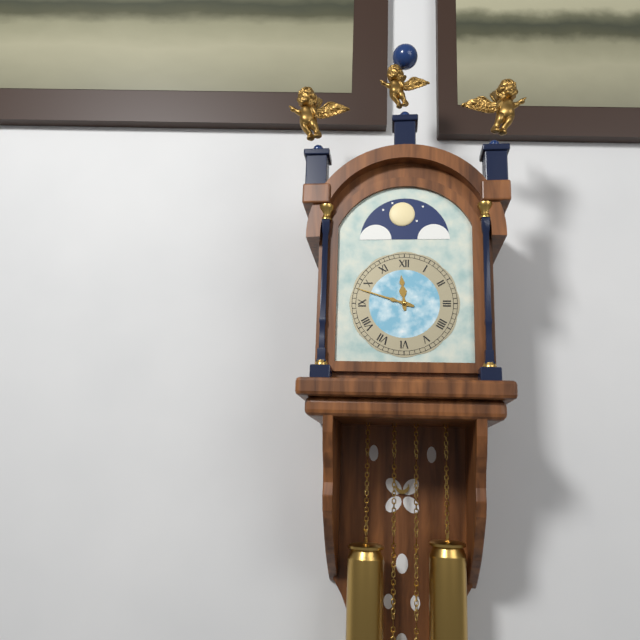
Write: 11:48
